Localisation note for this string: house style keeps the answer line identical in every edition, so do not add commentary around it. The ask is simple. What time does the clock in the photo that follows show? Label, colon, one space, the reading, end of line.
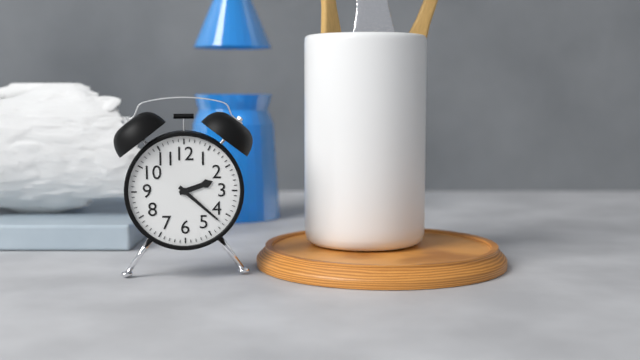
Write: 2:22
